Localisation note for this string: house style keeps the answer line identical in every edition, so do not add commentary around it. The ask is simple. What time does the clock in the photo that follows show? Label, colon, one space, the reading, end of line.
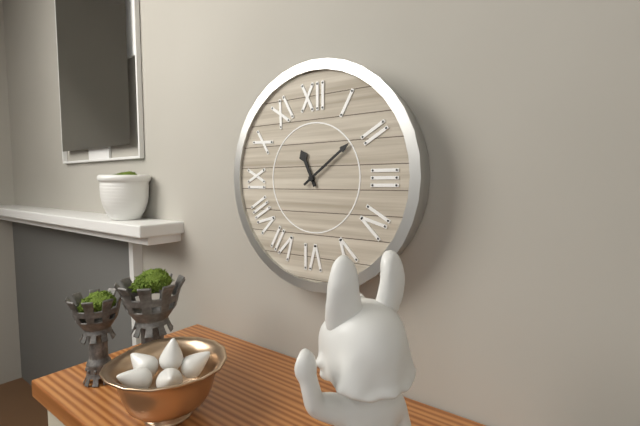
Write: 11:09
